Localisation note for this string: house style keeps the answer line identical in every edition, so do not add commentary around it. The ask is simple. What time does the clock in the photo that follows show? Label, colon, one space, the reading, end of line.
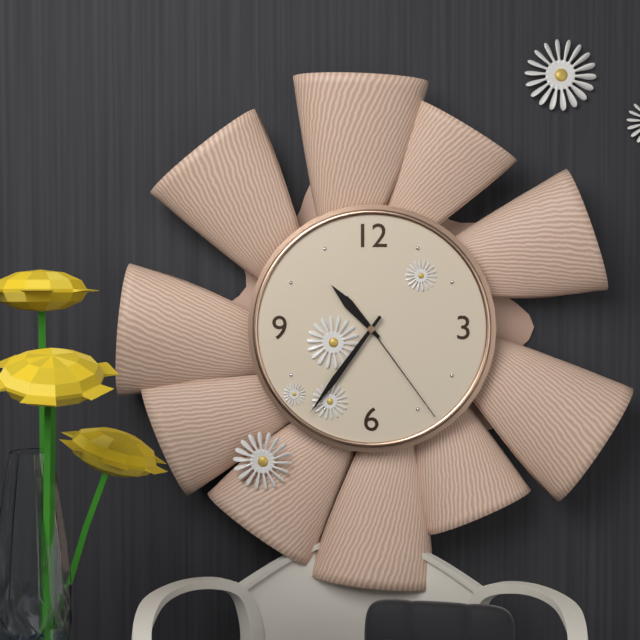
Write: 10:36:24
